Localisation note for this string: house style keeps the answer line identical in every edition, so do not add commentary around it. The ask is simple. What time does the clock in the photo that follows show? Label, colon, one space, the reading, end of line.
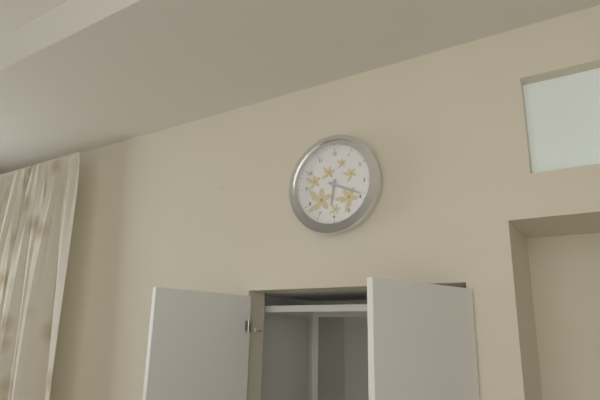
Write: 6:19
